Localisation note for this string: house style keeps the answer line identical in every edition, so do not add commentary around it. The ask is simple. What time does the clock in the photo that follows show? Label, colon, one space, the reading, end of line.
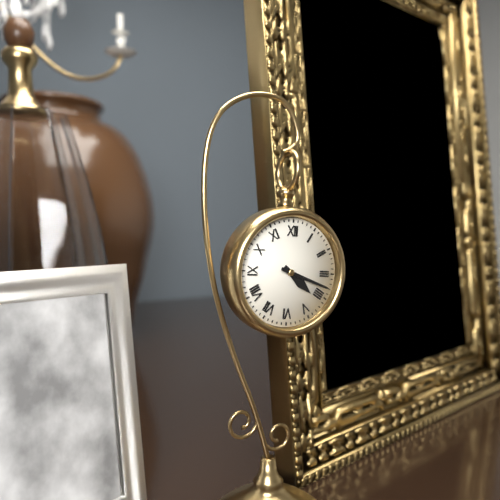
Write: 4:18
